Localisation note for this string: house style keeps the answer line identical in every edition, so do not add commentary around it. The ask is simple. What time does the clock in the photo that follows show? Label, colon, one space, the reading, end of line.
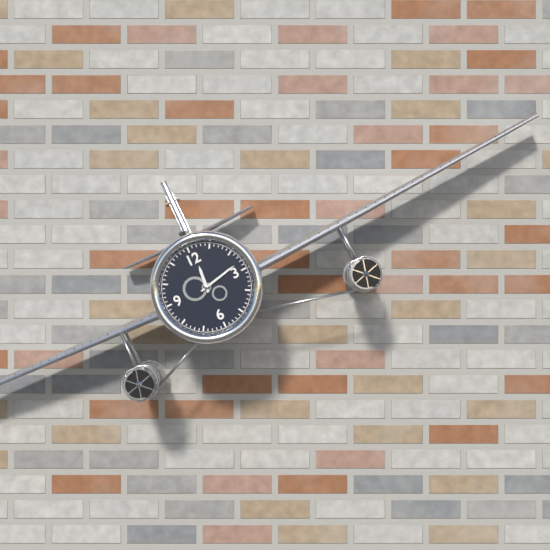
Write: 12:13
